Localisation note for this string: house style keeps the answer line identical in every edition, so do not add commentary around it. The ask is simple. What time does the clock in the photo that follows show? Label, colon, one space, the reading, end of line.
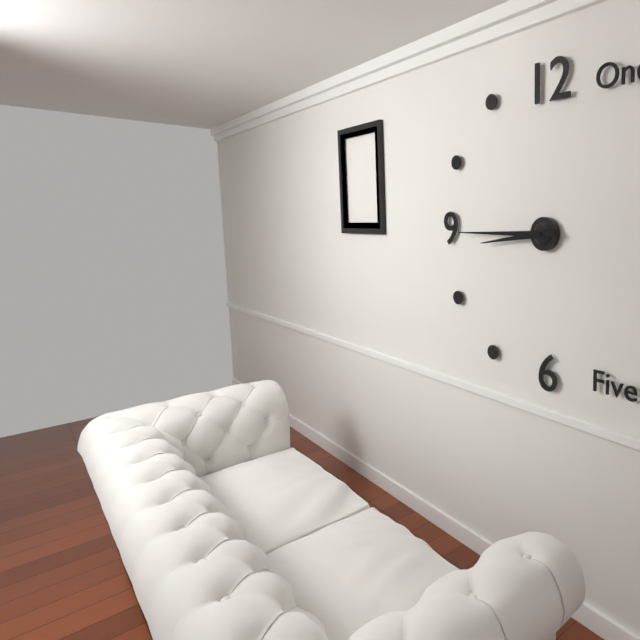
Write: 8:45
